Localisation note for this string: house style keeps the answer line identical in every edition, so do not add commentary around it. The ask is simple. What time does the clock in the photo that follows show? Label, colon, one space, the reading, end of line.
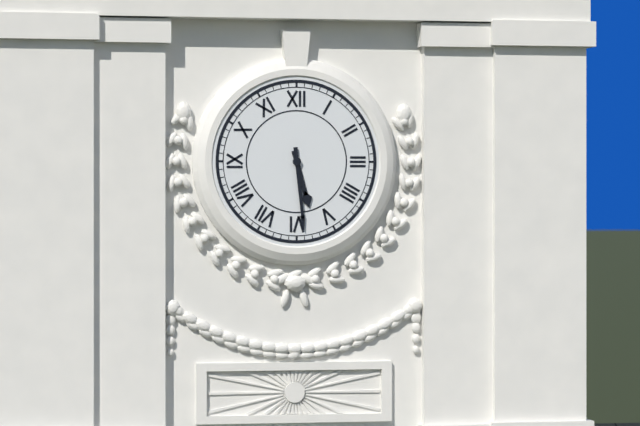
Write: 5:29
